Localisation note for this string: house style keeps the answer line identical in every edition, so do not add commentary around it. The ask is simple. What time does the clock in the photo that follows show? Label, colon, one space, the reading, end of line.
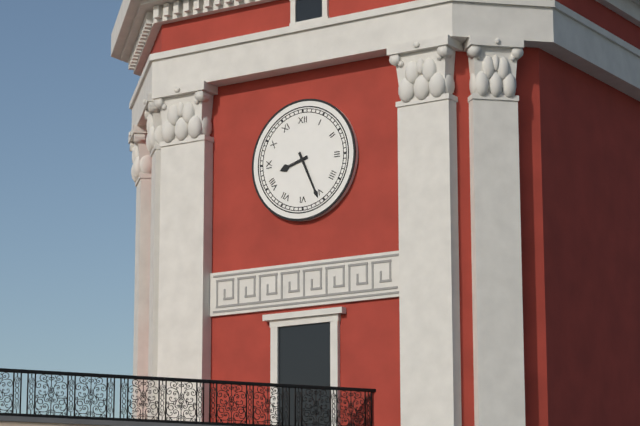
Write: 8:26
